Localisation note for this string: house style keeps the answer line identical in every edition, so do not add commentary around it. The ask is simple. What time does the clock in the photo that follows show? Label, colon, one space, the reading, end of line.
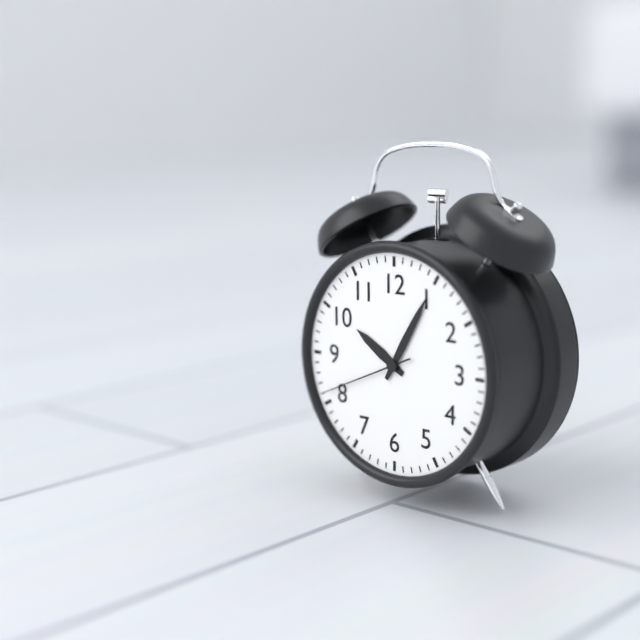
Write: 10:05:41
